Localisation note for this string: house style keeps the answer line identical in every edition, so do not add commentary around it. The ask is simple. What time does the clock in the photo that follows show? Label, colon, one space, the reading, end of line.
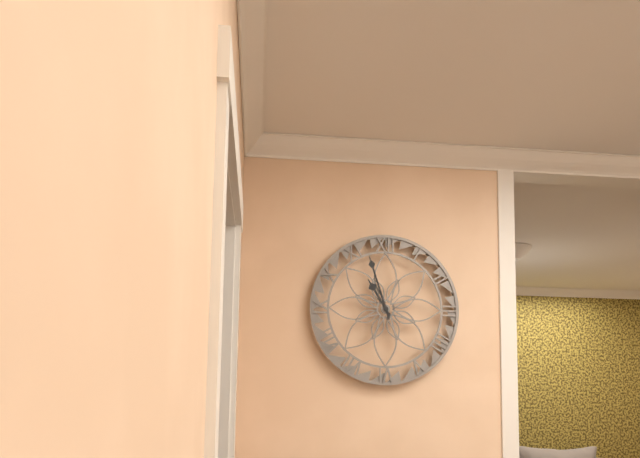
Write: 10:57
